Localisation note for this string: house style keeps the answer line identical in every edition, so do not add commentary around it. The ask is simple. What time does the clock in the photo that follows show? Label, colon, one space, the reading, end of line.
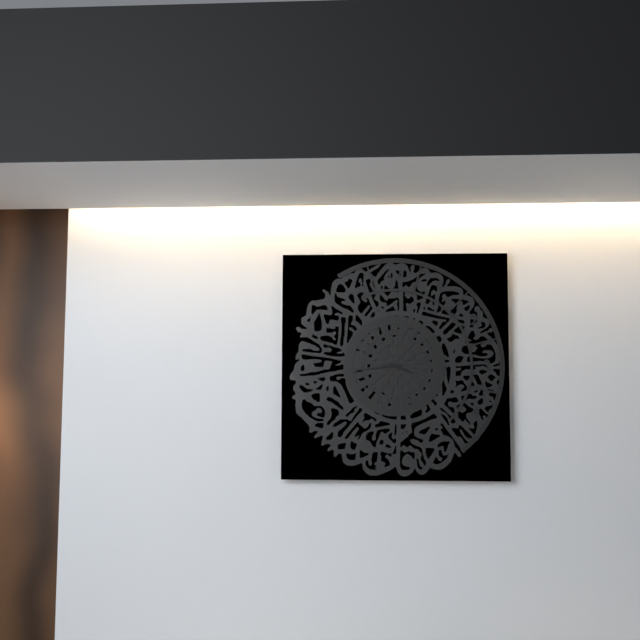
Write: 3:44
